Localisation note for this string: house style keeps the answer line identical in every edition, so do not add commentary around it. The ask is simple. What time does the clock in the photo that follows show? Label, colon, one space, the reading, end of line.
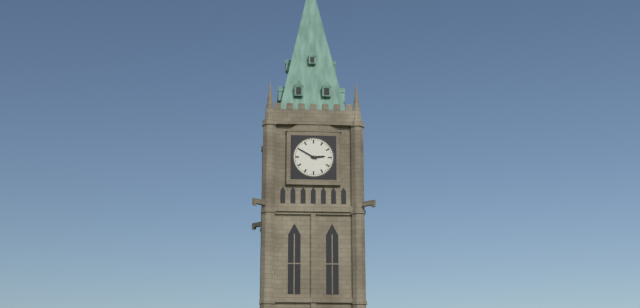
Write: 2:50
